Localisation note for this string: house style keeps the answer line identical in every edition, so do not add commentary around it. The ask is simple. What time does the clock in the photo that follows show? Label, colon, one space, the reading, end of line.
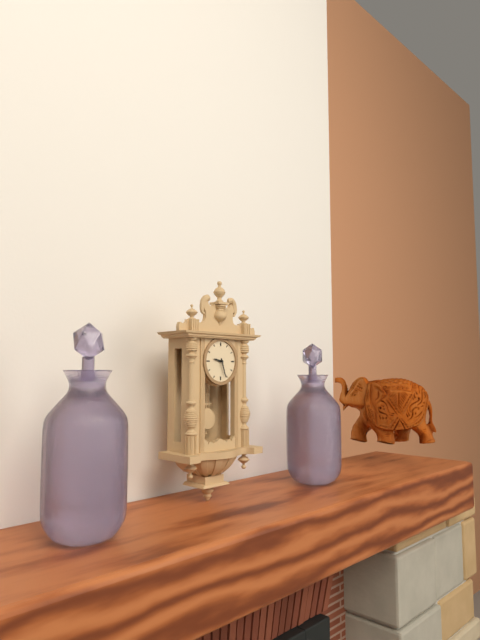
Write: 9:27
